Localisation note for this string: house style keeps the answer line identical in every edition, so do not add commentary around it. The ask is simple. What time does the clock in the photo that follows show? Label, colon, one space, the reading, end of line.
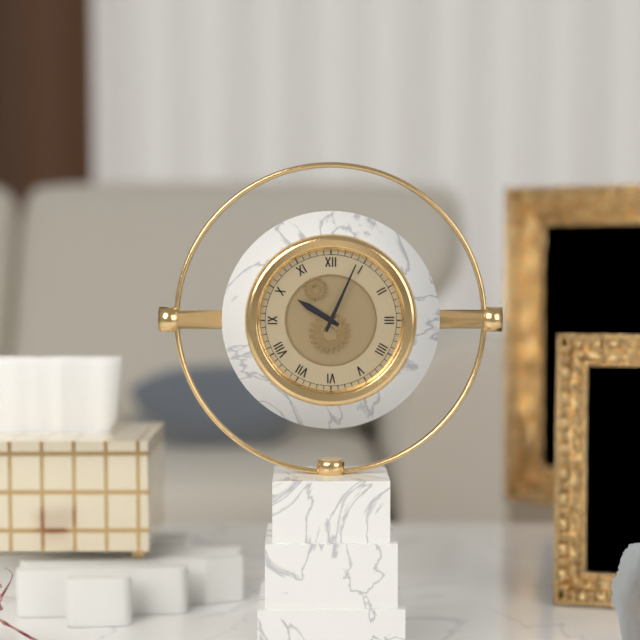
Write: 10:04
